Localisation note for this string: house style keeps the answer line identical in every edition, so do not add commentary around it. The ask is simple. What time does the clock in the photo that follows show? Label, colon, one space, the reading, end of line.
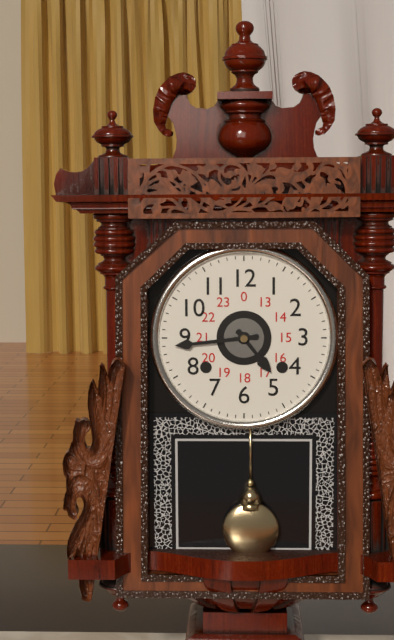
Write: 4:44
